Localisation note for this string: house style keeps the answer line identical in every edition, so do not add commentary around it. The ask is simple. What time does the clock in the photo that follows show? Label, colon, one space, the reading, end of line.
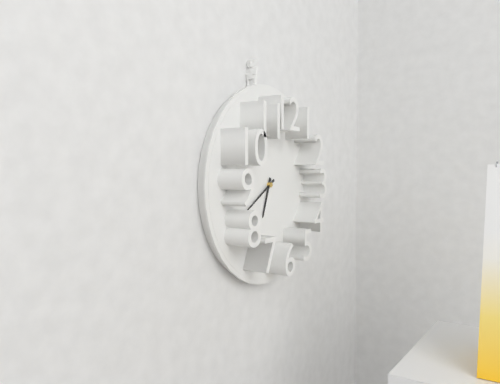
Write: 6:40
